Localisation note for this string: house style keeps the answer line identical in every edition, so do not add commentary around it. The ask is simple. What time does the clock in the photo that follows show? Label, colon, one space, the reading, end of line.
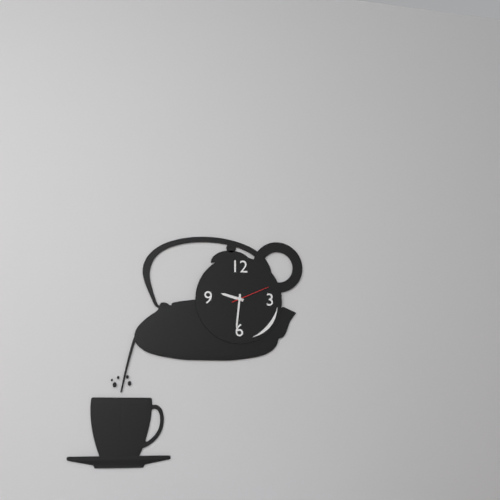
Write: 9:31
